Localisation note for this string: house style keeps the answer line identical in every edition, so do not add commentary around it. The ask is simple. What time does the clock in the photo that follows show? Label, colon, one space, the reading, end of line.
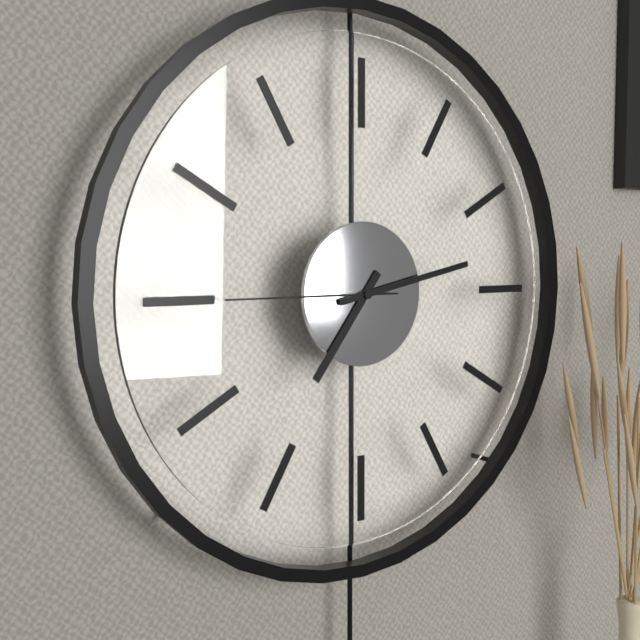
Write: 7:13:45
